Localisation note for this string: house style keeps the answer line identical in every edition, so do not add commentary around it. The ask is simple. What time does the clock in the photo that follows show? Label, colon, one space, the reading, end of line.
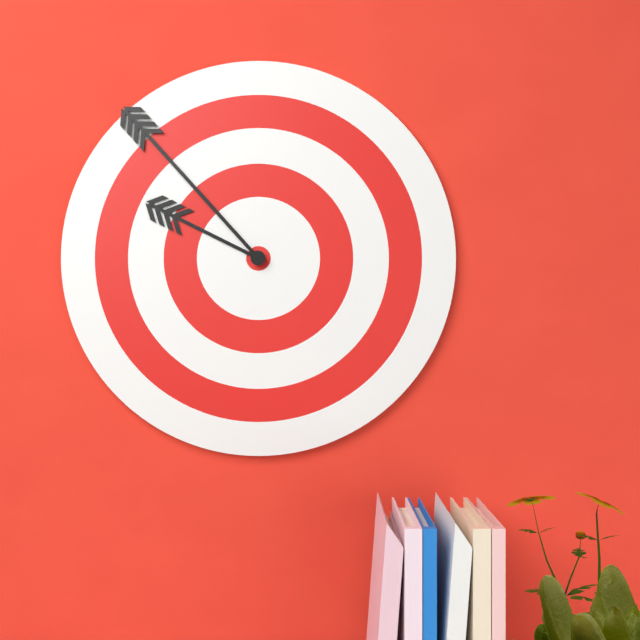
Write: 9:53
